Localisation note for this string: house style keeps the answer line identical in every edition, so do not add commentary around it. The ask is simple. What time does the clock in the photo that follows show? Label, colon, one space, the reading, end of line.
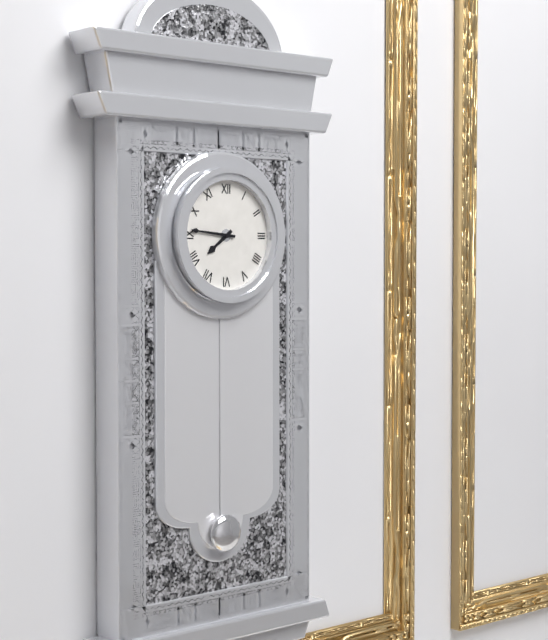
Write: 7:46
